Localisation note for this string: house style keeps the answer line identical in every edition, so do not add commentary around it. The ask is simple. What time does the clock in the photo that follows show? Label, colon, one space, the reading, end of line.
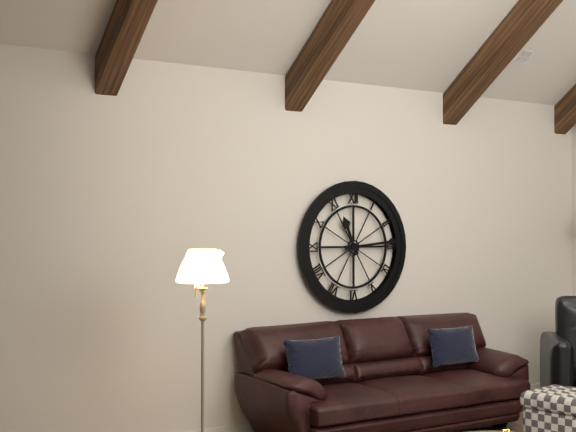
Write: 11:14
